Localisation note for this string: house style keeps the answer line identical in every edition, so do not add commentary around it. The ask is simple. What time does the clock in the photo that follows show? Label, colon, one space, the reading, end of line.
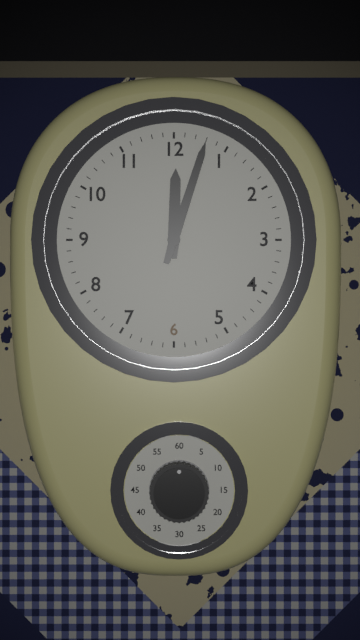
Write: 12:03
